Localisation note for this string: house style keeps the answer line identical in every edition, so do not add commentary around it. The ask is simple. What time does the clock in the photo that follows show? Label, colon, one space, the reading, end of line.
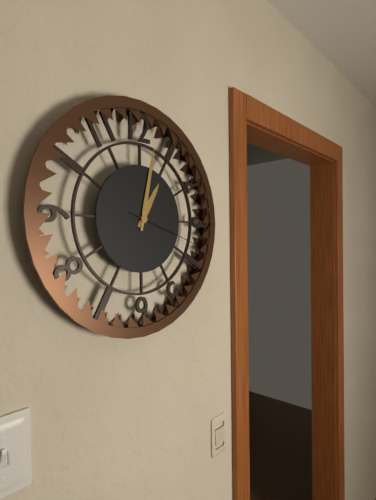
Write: 1:02:18
